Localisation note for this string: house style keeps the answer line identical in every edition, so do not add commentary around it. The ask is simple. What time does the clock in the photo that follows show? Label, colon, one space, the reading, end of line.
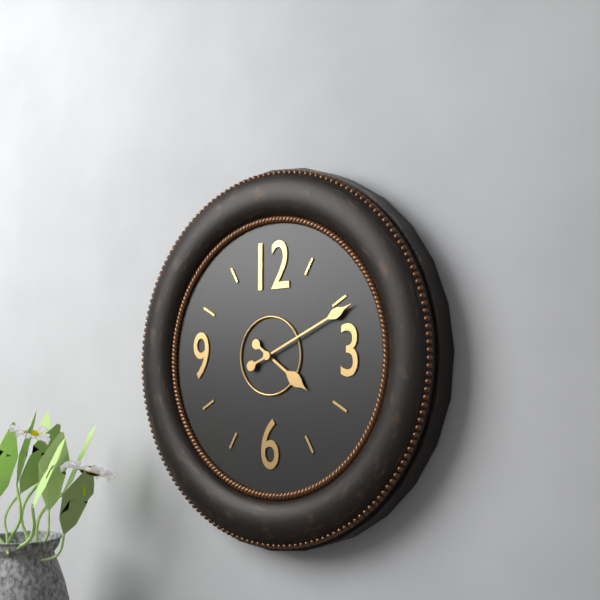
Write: 4:11
